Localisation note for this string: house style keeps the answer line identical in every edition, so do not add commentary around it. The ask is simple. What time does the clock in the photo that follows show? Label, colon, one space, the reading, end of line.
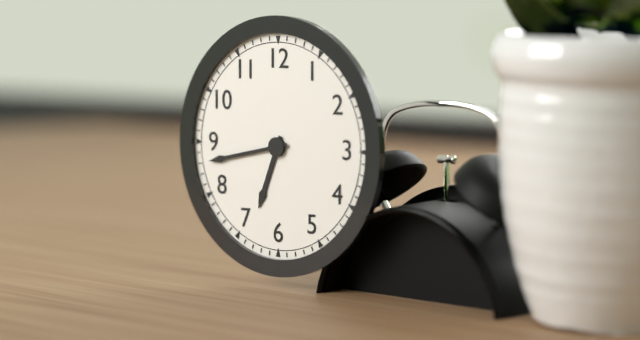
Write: 6:43
